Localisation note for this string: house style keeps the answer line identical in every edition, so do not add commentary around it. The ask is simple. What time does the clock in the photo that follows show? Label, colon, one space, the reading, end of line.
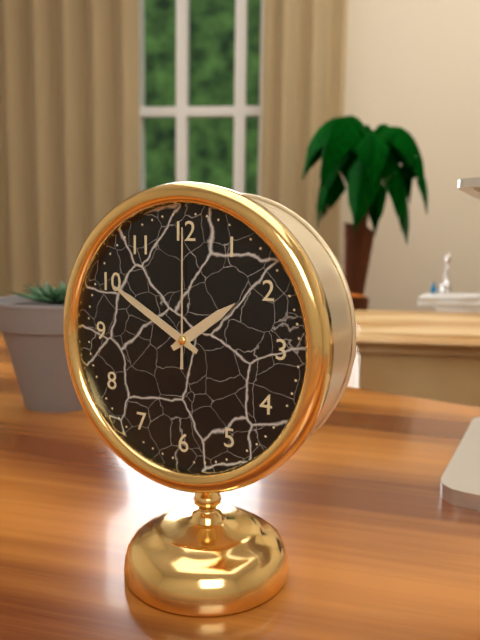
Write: 1:50:00
